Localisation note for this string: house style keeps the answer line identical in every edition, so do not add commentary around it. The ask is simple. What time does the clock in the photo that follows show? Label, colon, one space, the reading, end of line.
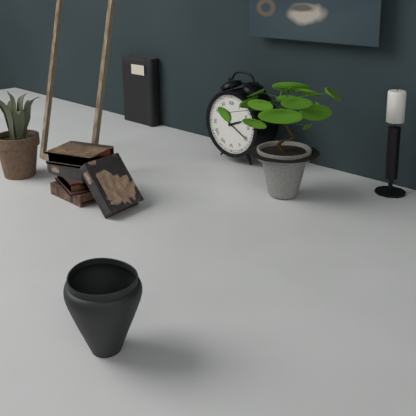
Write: 2:20
